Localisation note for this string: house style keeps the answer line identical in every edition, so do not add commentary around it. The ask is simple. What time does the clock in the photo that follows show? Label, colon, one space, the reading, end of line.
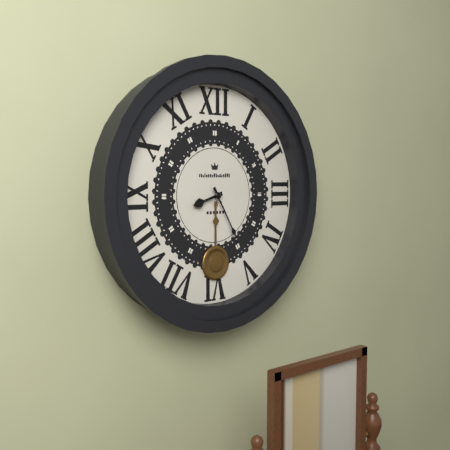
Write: 8:25
